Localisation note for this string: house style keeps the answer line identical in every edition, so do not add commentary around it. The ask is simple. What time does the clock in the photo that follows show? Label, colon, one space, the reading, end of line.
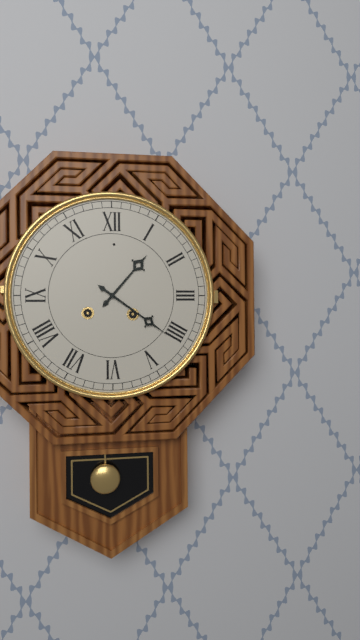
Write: 1:21
